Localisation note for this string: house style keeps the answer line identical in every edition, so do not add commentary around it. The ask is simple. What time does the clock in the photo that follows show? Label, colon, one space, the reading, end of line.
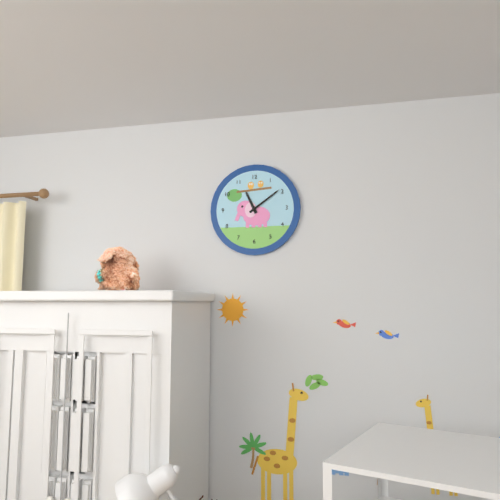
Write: 11:09
